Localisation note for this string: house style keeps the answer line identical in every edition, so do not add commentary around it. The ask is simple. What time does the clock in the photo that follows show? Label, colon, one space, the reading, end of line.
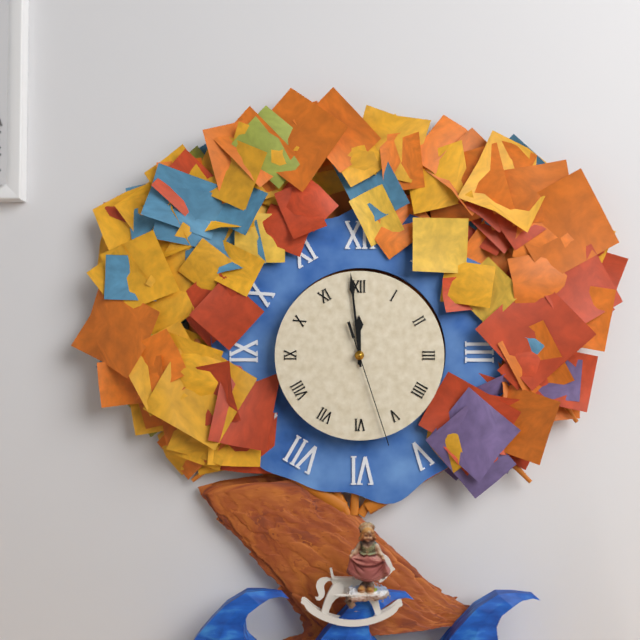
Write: 11:59:27
